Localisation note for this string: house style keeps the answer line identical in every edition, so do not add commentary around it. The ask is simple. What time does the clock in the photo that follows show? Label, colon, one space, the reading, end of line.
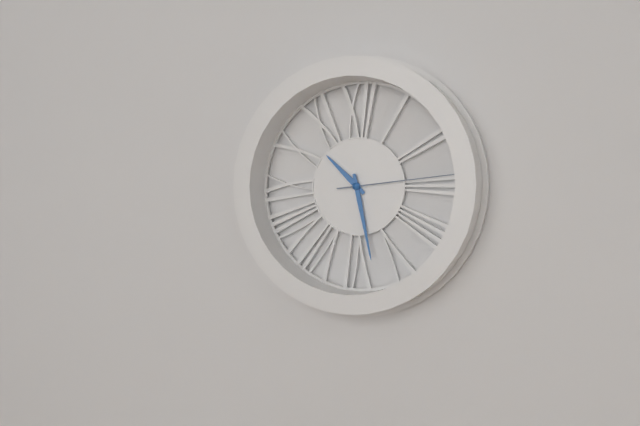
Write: 10:28:14
